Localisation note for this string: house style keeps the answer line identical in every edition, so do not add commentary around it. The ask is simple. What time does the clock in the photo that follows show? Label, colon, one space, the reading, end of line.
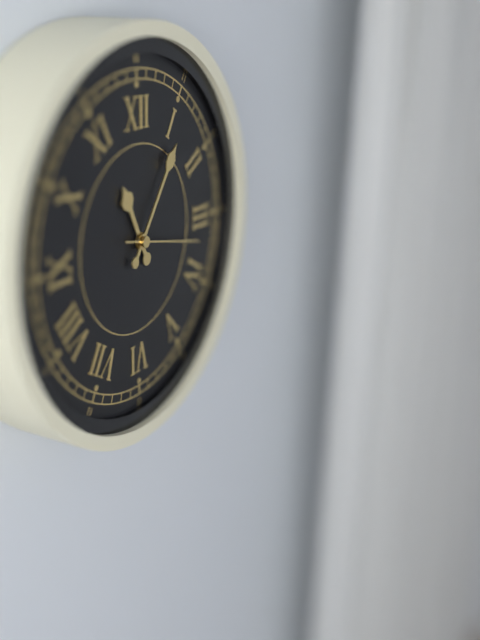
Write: 11:06:17
